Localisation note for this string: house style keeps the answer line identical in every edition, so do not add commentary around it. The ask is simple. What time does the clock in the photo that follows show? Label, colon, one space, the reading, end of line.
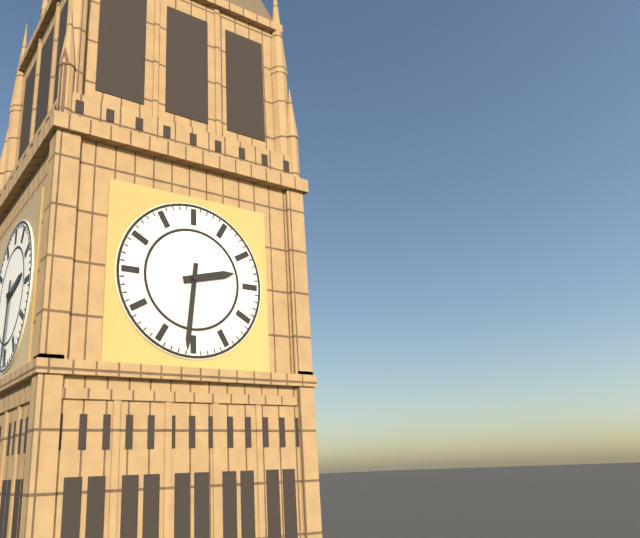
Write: 2:31
